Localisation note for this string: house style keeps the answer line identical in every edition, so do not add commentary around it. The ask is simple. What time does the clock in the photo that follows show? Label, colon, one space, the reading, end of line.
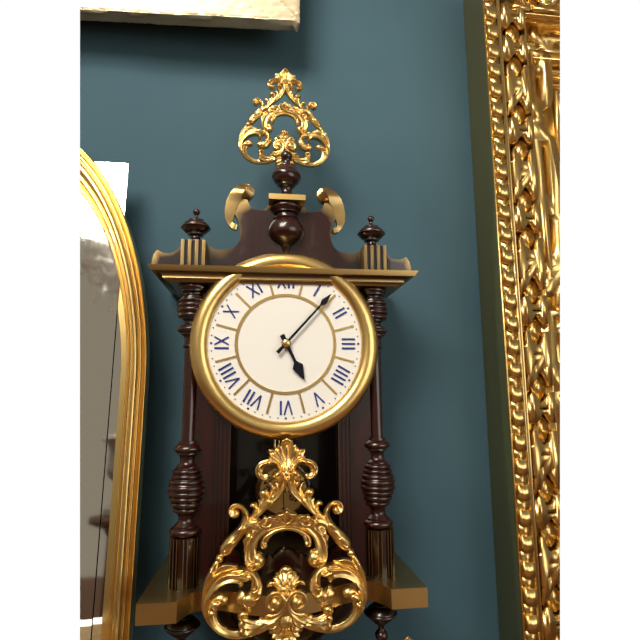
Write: 5:07
